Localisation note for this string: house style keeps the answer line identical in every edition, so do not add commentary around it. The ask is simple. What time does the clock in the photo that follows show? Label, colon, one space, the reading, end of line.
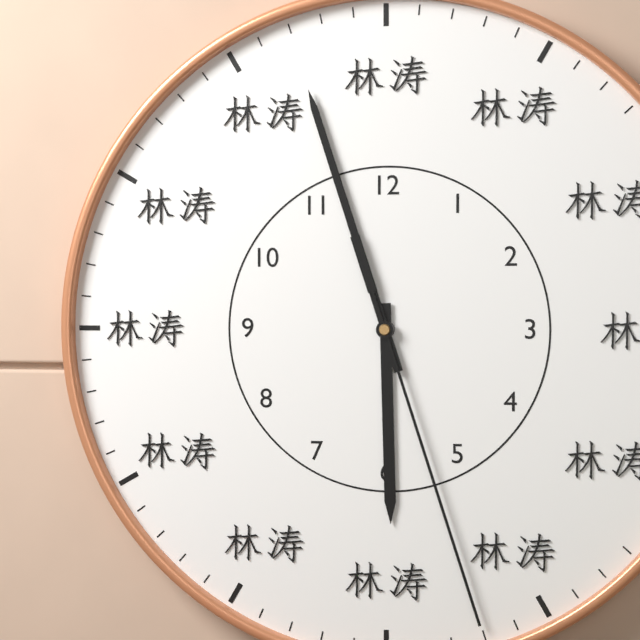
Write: 5:57:27
